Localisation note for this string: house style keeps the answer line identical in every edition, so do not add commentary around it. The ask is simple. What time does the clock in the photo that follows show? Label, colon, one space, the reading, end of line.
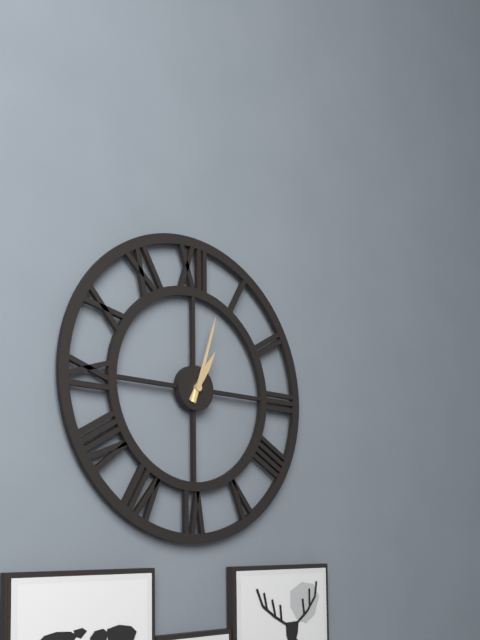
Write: 1:03
